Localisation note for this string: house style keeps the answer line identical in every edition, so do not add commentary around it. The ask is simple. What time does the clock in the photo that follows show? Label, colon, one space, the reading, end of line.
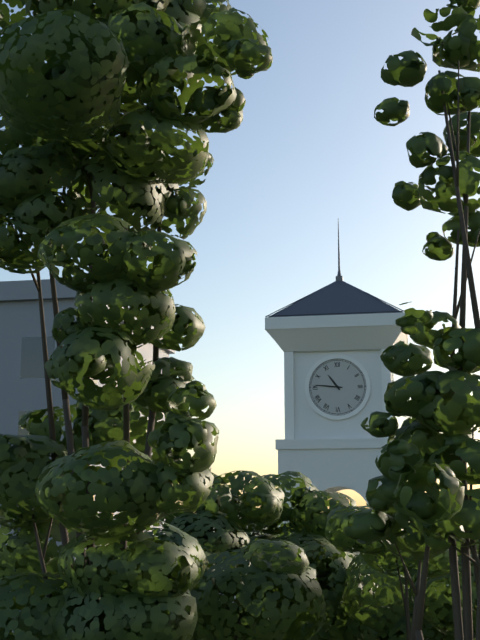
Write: 10:46
